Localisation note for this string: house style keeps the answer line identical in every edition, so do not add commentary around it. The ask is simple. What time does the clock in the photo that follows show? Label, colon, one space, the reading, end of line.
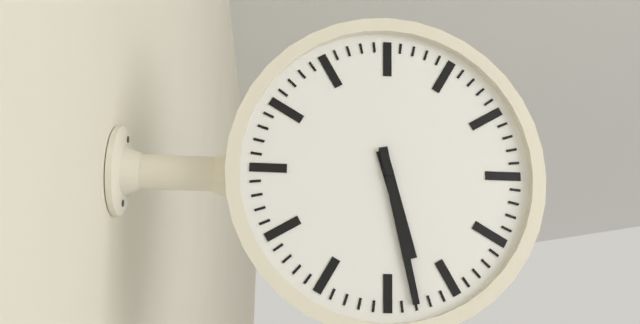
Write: 5:28
